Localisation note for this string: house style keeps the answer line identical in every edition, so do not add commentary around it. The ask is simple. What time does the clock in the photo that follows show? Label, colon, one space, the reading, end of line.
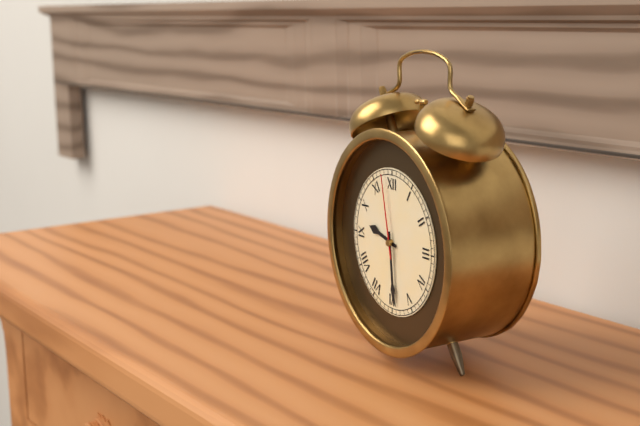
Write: 9:29:58
